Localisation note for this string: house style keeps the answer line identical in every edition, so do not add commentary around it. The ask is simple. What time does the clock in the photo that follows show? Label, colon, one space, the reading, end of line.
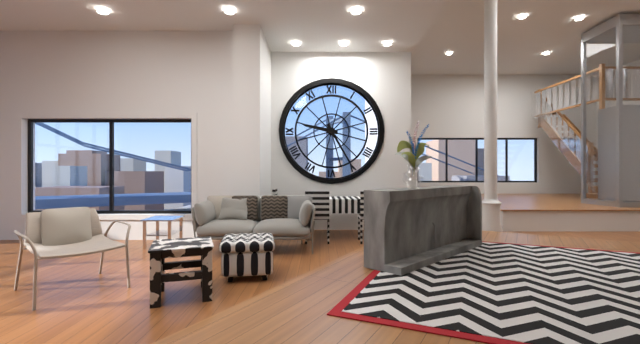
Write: 9:25
